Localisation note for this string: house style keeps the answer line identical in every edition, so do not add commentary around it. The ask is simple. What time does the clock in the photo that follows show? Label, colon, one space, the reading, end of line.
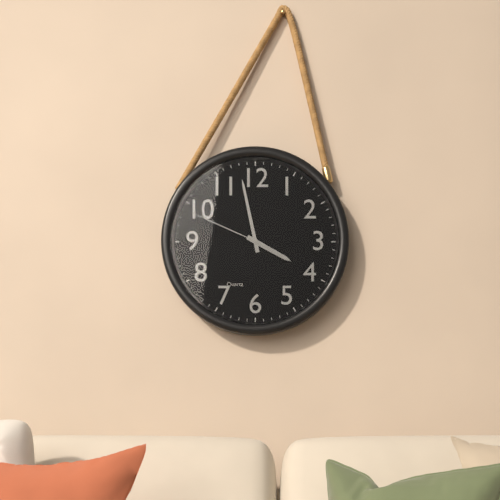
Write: 3:58:49
